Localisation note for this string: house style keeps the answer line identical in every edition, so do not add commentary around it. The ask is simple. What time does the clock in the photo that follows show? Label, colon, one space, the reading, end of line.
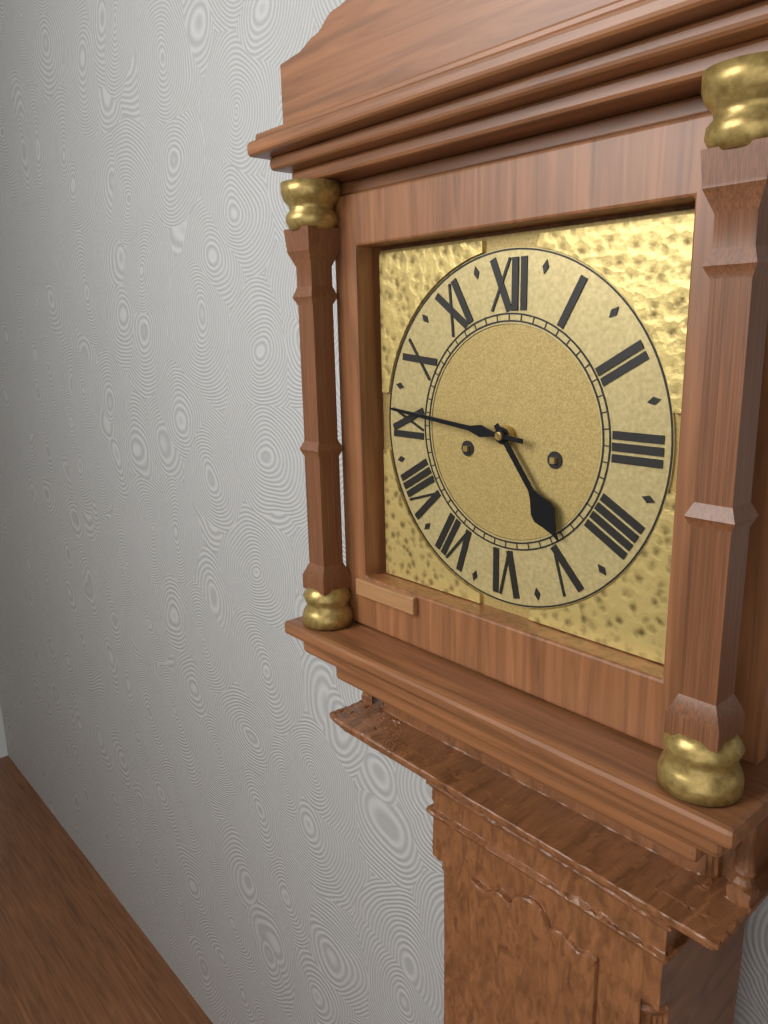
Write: 4:46
